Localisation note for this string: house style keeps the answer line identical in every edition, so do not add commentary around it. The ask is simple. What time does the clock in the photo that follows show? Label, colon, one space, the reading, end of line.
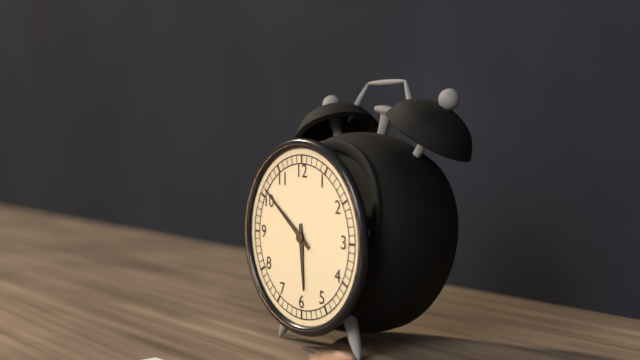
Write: 5:51
